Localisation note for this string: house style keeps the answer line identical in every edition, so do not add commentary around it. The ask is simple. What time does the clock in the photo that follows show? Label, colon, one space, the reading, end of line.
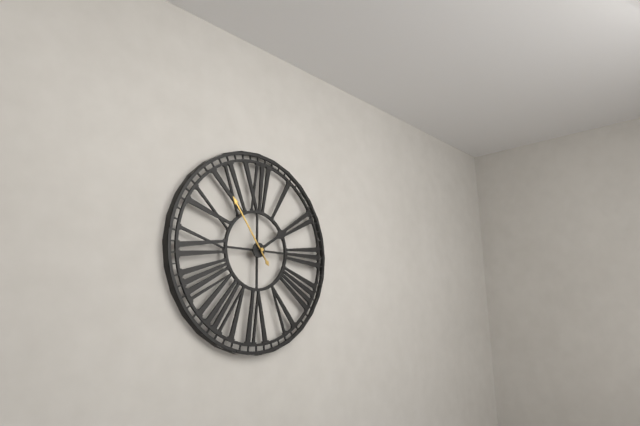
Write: 1:54
